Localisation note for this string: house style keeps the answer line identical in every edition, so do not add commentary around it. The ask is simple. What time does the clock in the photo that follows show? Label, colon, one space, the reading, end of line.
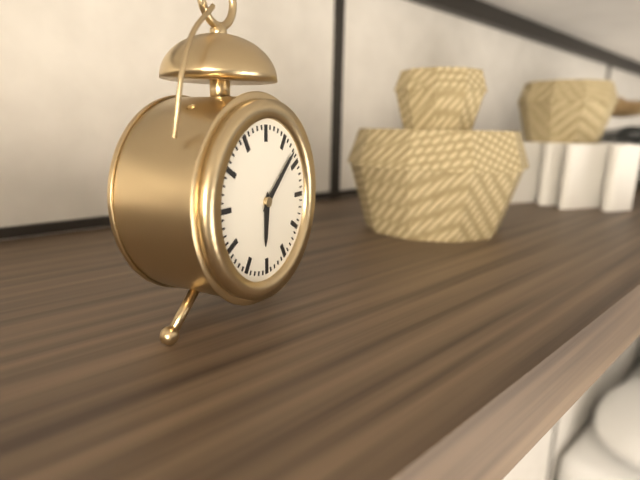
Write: 6:08
